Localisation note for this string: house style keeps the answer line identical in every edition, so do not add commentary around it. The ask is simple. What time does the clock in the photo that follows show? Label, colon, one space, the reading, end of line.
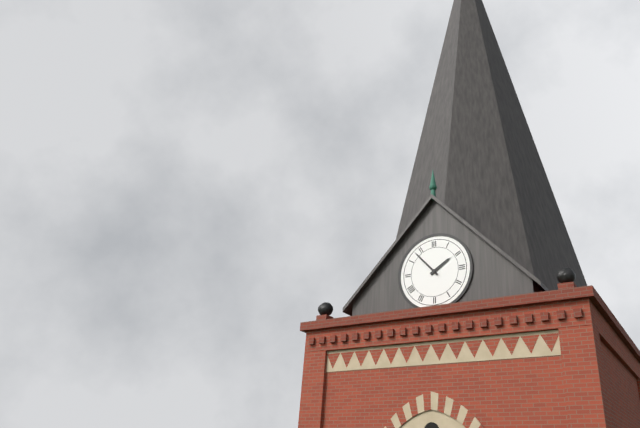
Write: 1:53
